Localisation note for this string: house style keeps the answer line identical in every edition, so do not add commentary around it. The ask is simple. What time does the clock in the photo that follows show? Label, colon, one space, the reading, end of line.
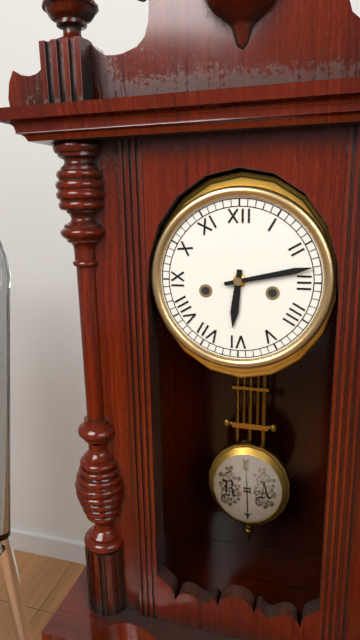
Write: 6:13
